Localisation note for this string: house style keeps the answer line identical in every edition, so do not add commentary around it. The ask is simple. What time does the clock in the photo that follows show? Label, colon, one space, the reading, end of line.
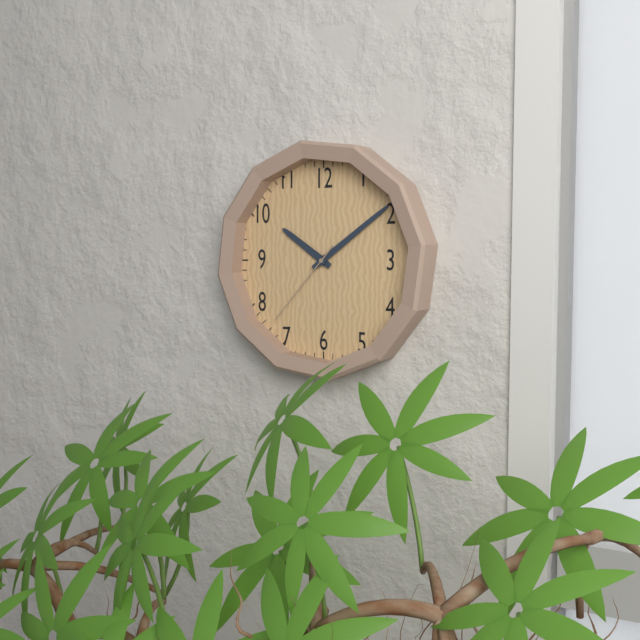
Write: 10:09:37
